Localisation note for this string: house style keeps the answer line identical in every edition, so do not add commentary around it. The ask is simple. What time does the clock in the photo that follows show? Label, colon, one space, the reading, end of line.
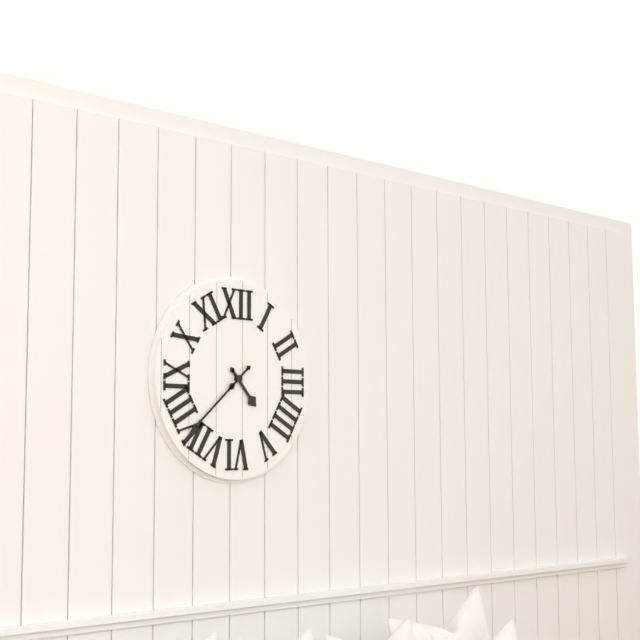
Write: 4:38
